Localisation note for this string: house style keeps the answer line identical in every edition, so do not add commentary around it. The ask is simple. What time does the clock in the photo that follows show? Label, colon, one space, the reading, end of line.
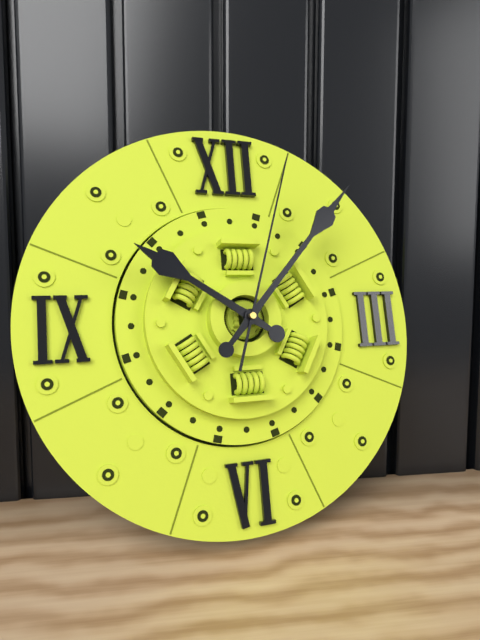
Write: 10:07:03
